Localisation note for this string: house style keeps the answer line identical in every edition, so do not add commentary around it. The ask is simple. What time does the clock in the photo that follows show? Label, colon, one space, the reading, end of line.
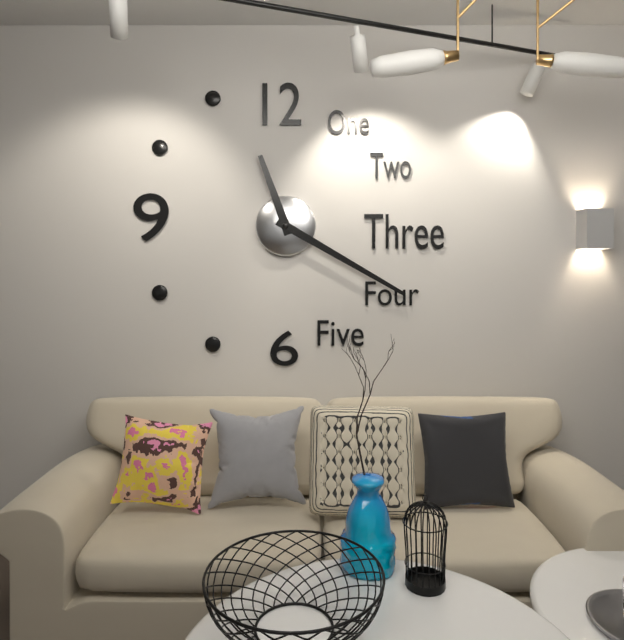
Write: 11:20
